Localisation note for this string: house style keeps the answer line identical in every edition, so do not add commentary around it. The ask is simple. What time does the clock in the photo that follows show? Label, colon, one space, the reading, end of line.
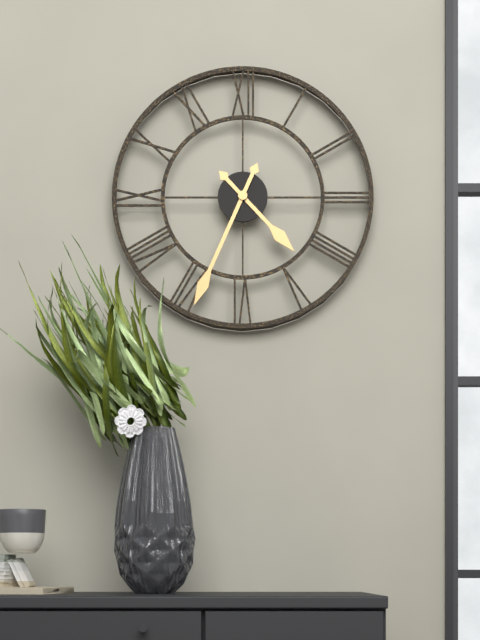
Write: 4:34
